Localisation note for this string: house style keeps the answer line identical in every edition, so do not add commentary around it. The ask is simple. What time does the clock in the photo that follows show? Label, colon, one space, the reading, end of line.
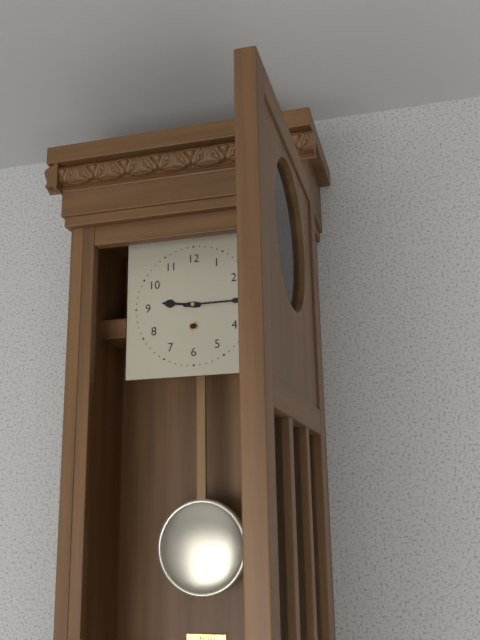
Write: 9:15
